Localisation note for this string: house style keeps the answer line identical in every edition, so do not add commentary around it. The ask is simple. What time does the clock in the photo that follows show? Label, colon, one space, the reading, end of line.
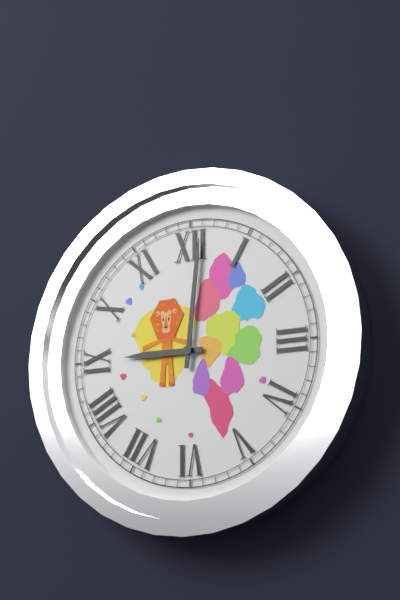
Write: 9:01
